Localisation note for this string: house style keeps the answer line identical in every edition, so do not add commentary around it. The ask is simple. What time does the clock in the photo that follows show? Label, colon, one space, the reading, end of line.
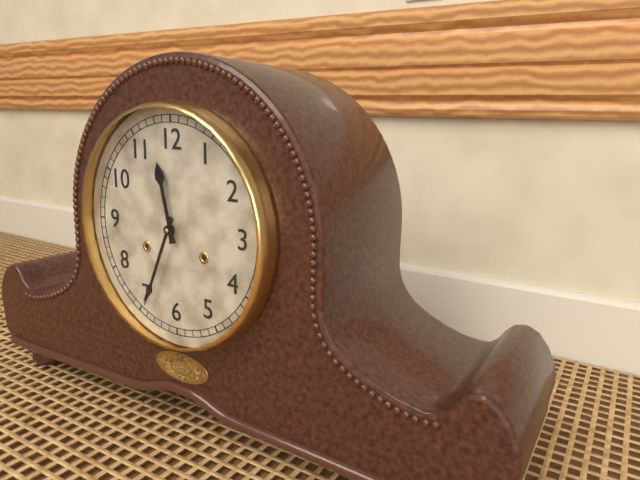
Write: 11:34
